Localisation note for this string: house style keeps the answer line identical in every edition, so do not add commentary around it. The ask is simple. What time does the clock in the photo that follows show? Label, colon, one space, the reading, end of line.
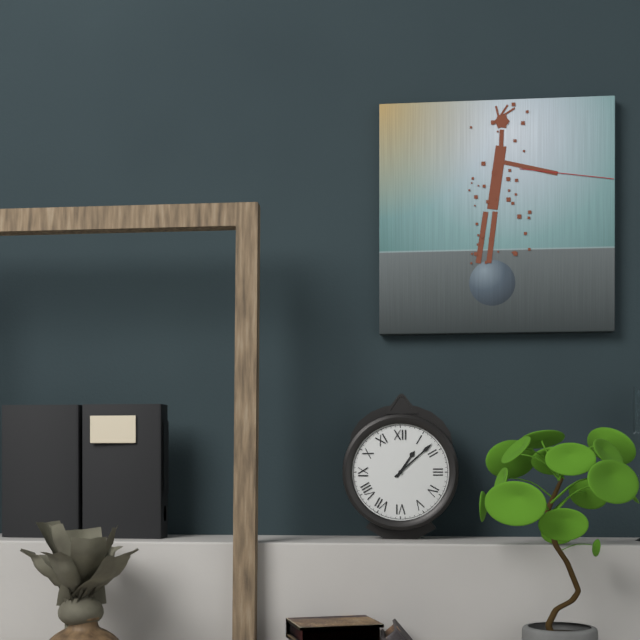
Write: 1:08
